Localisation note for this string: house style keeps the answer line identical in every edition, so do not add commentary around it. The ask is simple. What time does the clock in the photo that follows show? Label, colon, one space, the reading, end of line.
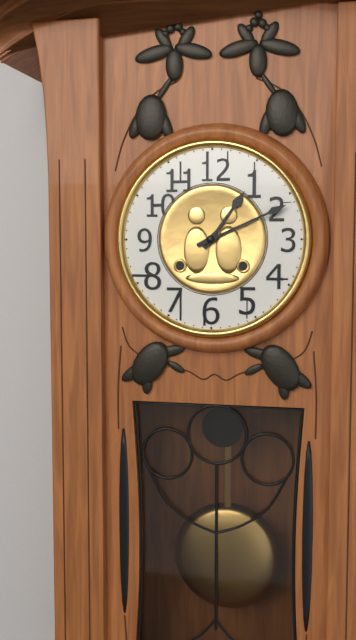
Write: 1:11
